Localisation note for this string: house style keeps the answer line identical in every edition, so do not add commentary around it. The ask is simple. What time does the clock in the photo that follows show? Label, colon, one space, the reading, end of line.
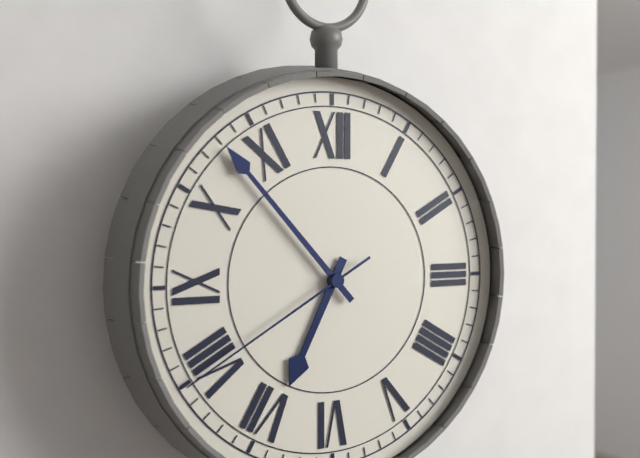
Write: 6:53:40
